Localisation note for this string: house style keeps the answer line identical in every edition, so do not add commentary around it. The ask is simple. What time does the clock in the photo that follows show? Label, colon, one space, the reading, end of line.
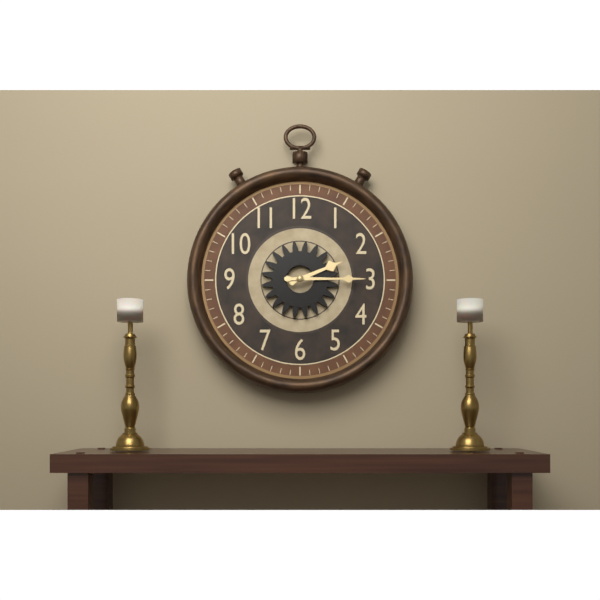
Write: 2:15
